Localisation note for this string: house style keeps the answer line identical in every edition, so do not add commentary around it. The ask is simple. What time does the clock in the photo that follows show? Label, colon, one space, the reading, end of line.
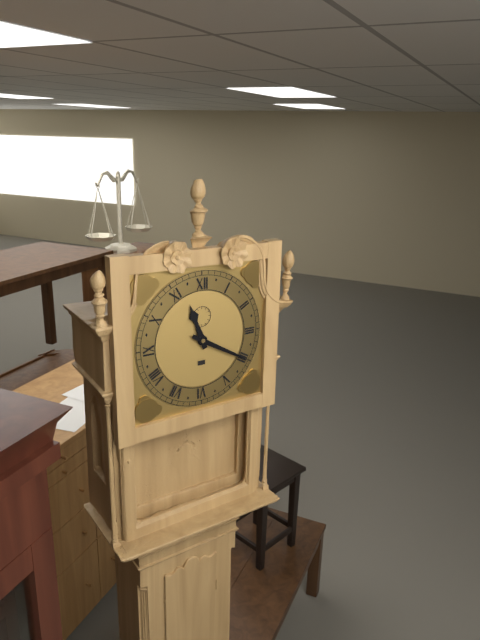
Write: 11:20
